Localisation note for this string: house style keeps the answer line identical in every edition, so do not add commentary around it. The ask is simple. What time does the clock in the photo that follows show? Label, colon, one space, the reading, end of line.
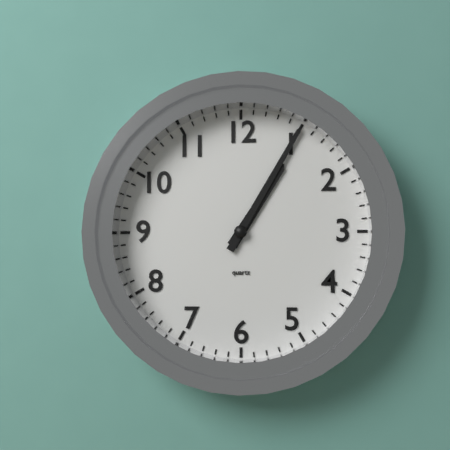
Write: 1:05
